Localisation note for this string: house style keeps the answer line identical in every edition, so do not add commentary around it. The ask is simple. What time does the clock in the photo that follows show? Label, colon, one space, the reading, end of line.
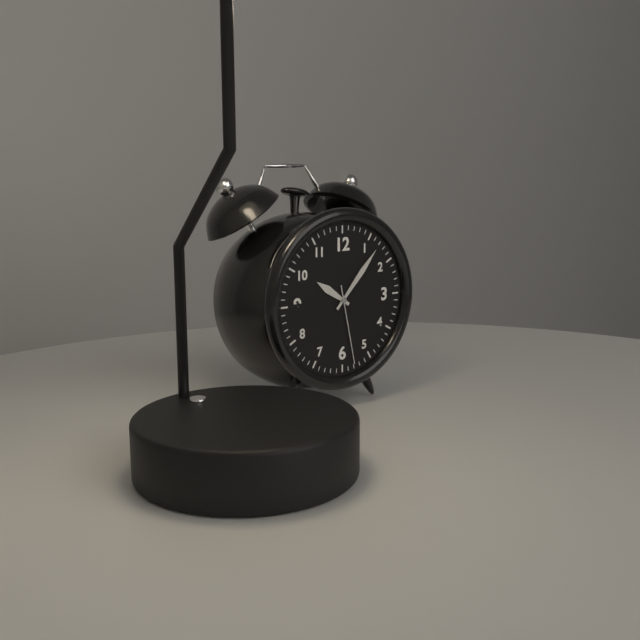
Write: 10:07:28
